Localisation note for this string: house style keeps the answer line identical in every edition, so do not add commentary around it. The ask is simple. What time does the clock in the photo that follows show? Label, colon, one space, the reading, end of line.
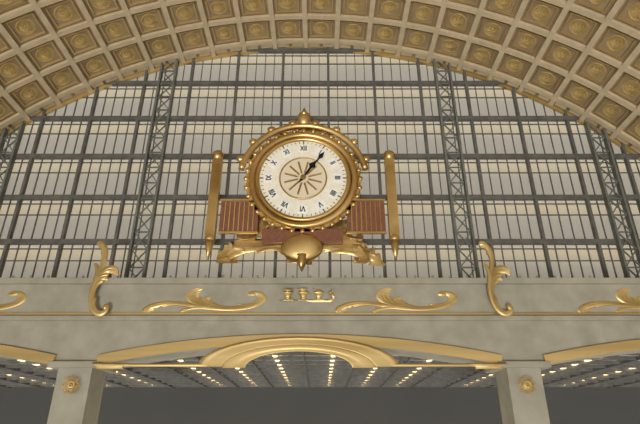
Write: 1:06
